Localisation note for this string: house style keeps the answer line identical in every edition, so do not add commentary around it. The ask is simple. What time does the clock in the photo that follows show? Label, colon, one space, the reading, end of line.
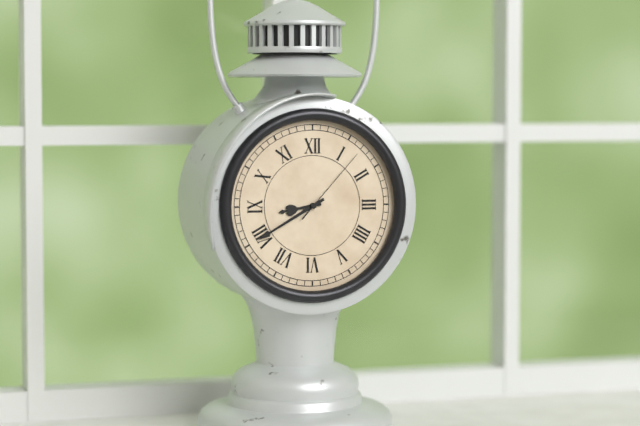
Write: 8:40:07
